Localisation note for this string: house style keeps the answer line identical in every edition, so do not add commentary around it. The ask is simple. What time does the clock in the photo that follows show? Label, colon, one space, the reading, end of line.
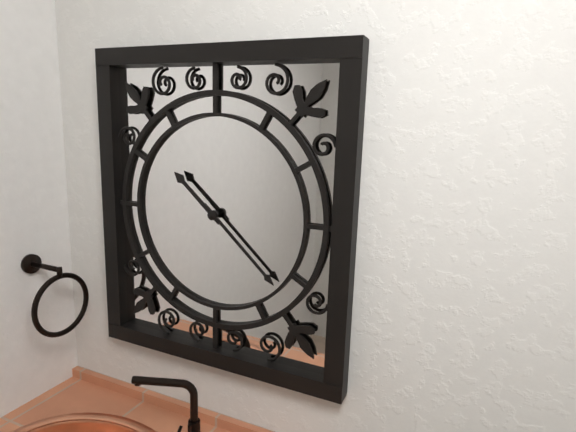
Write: 10:22
